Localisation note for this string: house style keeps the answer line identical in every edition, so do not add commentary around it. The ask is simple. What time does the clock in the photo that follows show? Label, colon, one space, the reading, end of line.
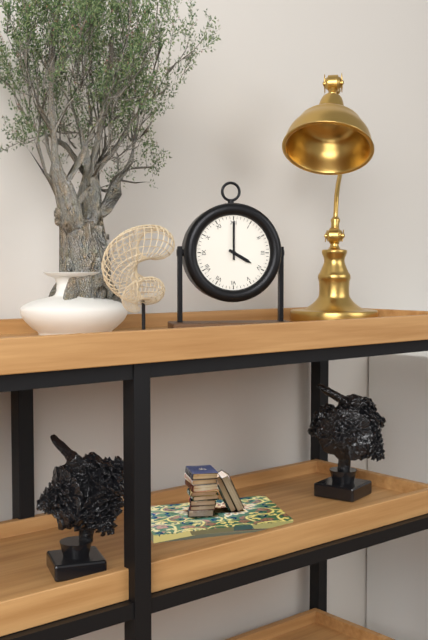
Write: 4:00
